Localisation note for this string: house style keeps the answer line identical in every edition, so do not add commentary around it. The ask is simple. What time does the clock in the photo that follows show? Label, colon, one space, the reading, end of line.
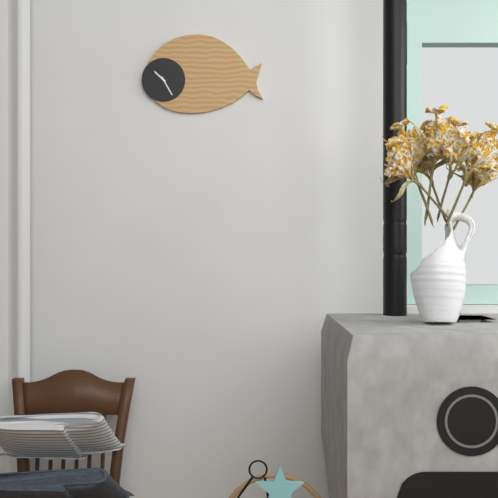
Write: 10:25
